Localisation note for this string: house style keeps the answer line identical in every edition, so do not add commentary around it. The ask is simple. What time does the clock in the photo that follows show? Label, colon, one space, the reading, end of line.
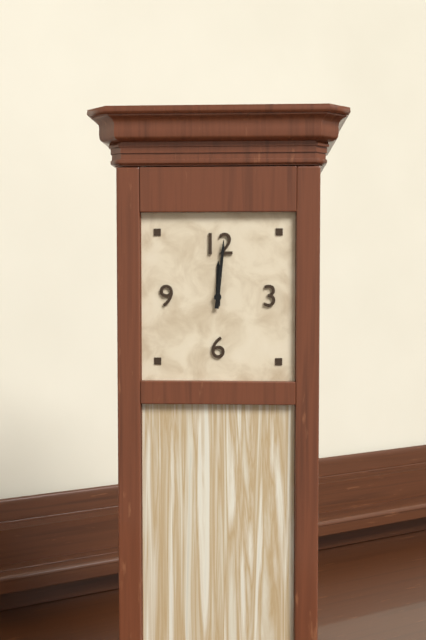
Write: 12:01
